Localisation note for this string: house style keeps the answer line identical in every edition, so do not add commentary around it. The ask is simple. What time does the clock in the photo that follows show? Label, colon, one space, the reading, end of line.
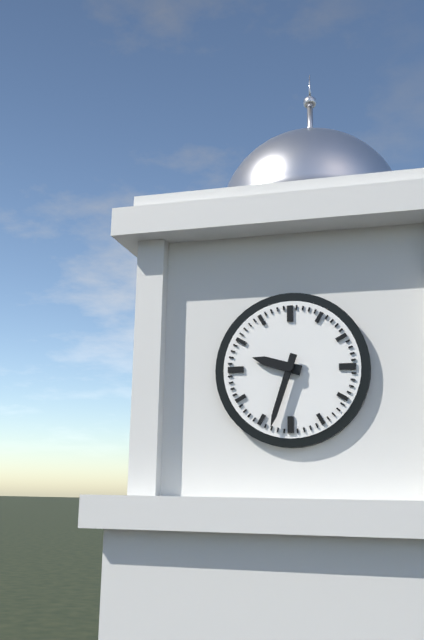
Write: 9:33
